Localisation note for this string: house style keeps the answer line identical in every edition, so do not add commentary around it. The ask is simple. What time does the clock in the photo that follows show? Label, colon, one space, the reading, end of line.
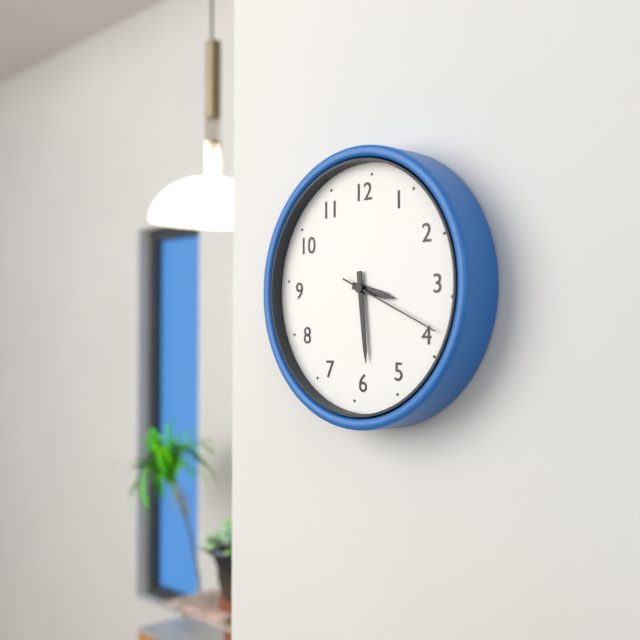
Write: 3:29:19
